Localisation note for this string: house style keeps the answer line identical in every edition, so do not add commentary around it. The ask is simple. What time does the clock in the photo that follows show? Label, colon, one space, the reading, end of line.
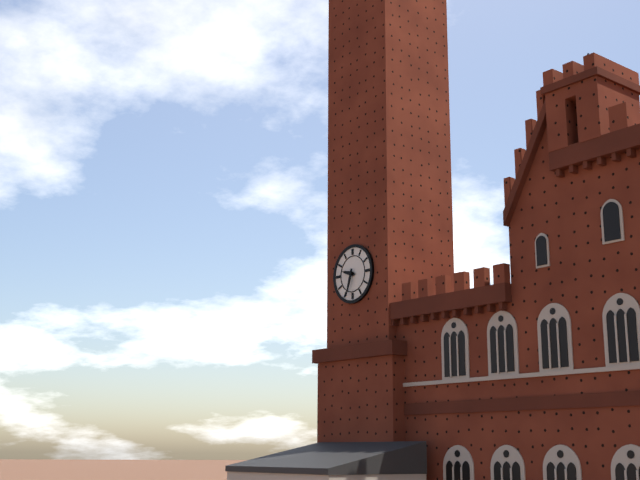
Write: 9:33
